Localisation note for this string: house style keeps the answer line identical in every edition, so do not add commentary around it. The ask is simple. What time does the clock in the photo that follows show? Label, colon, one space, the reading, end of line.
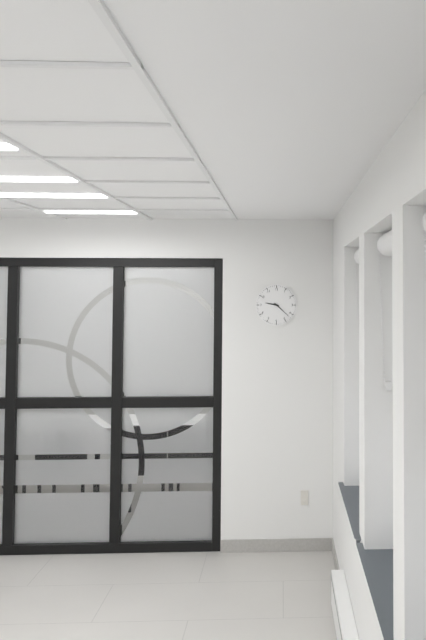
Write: 9:22
